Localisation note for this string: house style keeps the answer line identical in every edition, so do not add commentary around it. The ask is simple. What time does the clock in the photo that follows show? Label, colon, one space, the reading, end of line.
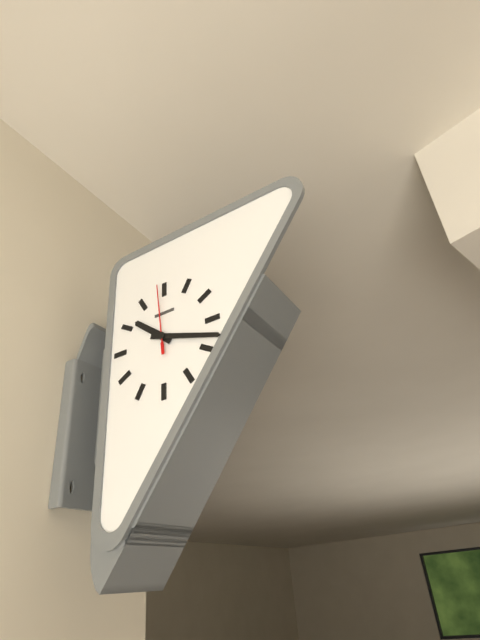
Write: 10:18:59
